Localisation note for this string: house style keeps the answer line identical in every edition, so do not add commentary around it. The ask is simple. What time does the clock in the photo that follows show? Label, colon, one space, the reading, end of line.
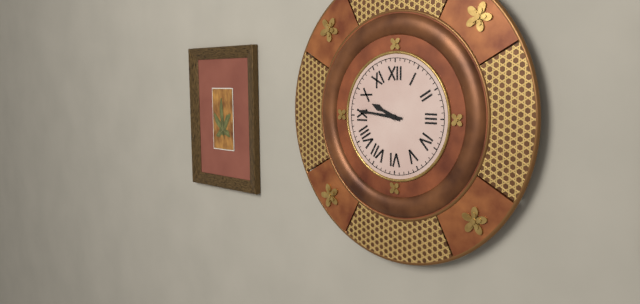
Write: 9:46
